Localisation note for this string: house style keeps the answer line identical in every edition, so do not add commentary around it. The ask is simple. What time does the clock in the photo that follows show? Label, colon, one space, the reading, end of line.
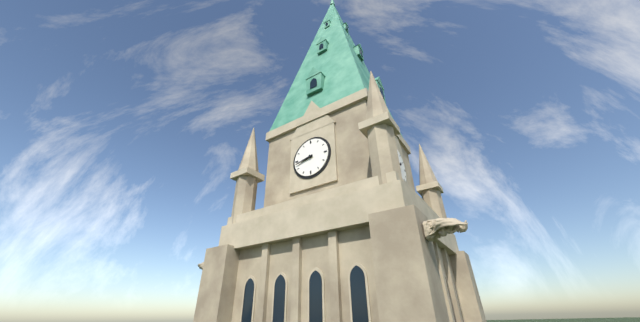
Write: 8:43
